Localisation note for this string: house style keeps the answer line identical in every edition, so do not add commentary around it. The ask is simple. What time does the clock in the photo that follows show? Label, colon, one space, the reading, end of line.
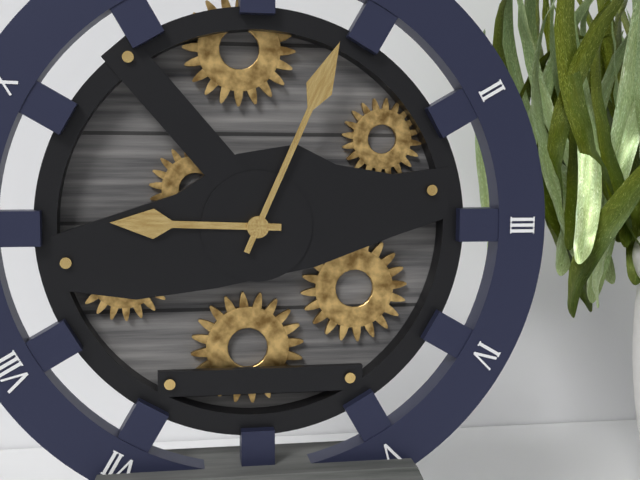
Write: 9:04
